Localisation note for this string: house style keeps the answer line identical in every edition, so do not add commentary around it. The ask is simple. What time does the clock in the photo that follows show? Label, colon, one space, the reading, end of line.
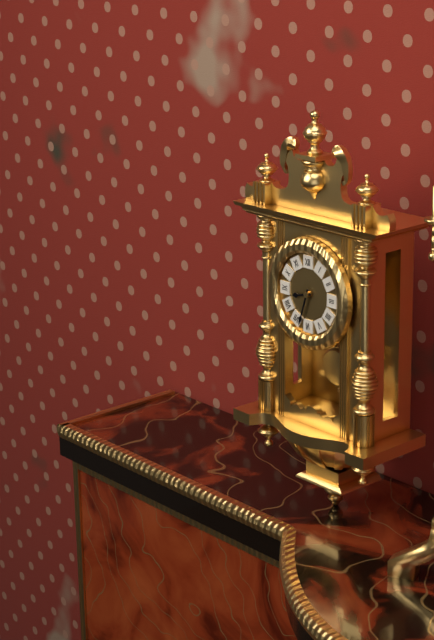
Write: 8:33
